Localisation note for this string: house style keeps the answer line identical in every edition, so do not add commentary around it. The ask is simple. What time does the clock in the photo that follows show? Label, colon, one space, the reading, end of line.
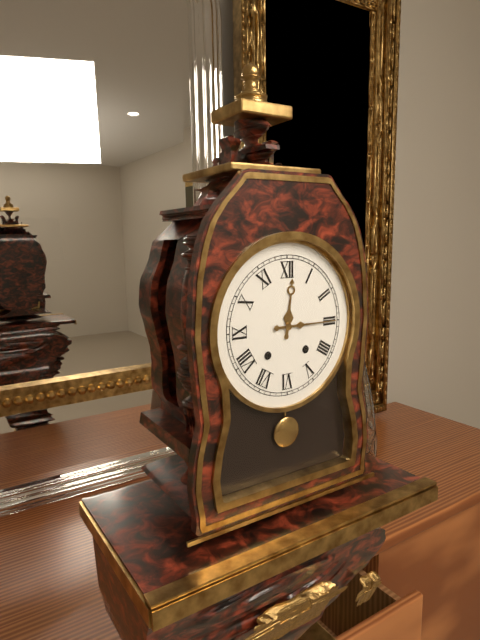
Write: 12:15
